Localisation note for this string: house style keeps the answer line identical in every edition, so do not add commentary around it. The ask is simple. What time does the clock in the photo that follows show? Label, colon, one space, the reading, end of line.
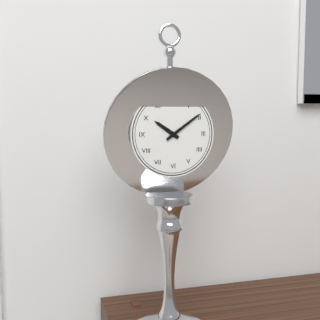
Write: 10:09
